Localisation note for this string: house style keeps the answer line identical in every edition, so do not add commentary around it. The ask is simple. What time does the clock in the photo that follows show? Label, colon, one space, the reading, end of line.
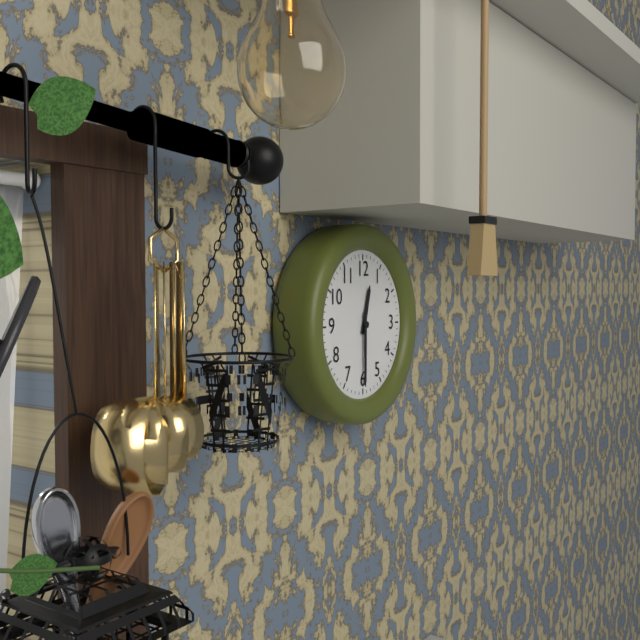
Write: 12:30
